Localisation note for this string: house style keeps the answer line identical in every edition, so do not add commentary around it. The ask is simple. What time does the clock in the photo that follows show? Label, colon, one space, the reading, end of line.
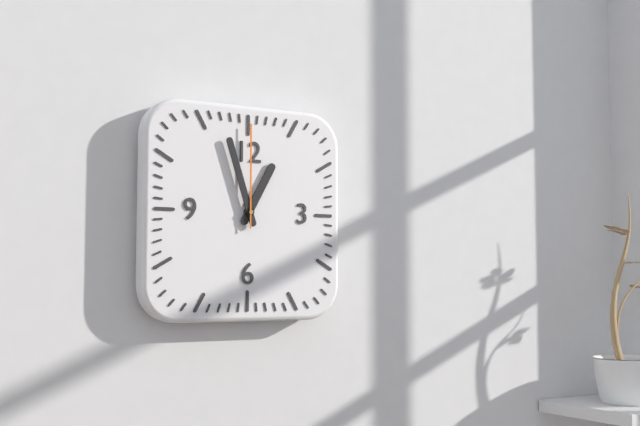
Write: 12:57:00
